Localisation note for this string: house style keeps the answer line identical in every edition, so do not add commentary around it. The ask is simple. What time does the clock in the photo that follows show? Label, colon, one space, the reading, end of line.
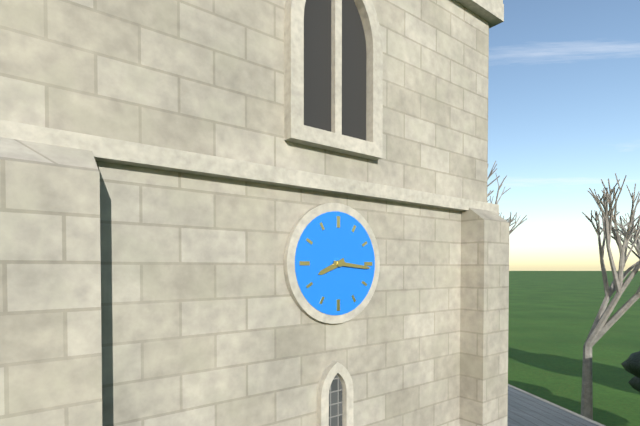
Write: 8:16
